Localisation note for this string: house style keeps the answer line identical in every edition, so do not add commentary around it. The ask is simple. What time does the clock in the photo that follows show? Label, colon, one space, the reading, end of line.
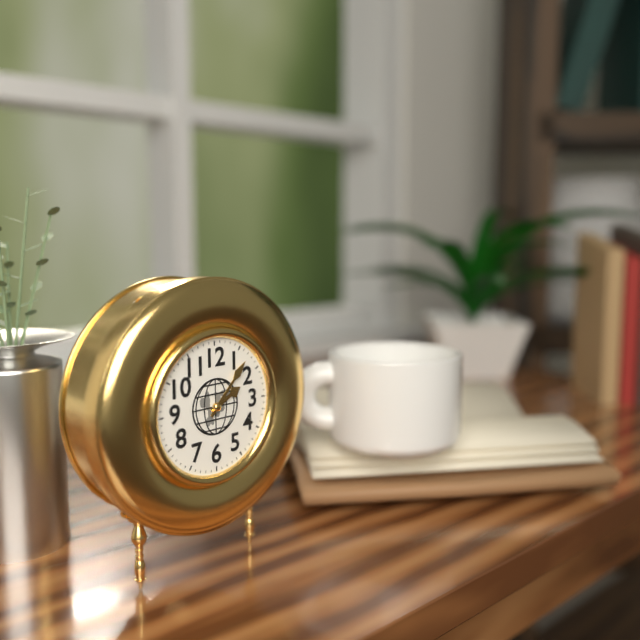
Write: 2:07
